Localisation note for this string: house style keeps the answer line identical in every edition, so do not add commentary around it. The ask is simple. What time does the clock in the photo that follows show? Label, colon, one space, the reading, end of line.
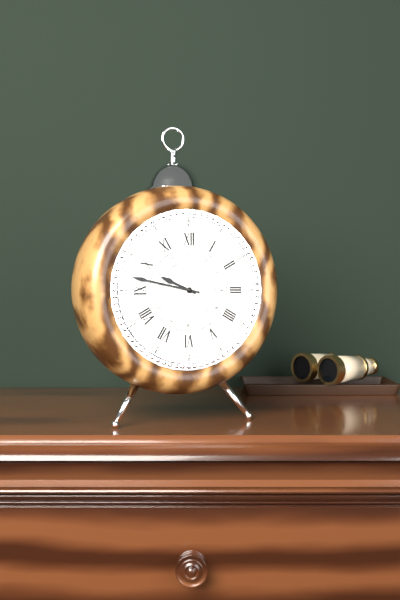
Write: 9:47
